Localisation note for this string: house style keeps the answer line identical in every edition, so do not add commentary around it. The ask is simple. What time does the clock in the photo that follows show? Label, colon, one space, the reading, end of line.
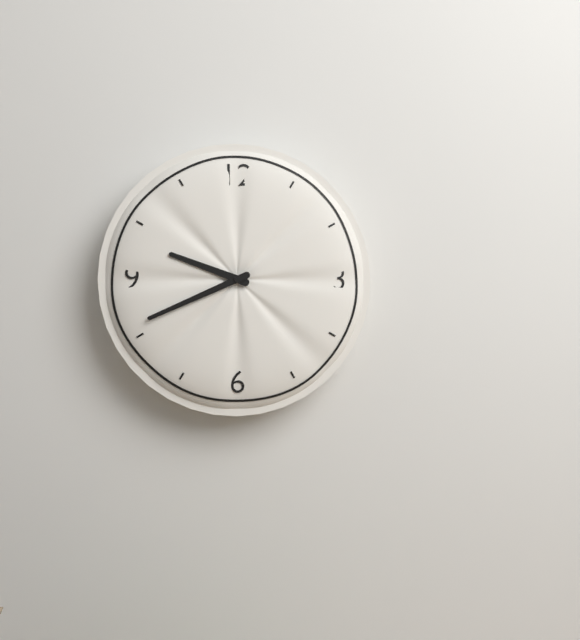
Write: 9:41
